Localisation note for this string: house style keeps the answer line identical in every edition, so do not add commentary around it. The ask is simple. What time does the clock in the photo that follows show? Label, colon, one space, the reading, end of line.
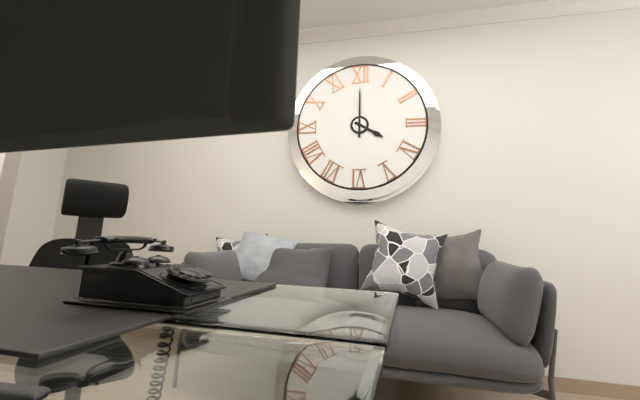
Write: 4:00
